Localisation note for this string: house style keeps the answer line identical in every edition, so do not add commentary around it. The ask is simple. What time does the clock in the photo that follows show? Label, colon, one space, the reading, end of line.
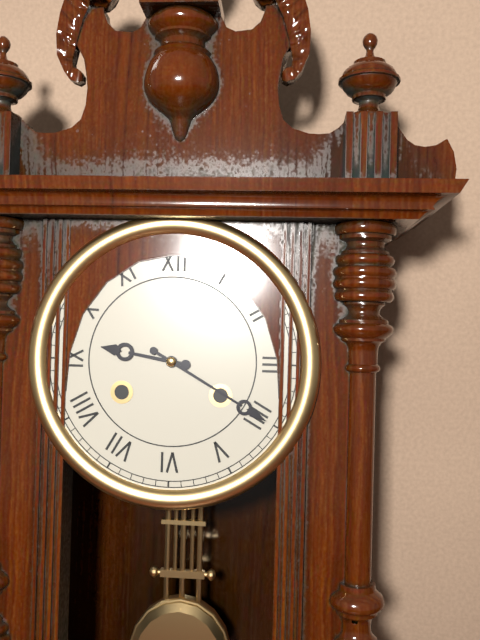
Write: 9:20
